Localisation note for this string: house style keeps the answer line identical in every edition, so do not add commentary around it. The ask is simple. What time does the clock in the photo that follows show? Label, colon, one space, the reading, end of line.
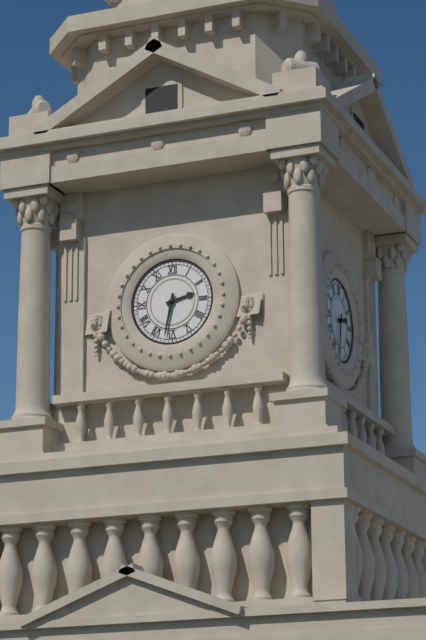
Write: 2:32
